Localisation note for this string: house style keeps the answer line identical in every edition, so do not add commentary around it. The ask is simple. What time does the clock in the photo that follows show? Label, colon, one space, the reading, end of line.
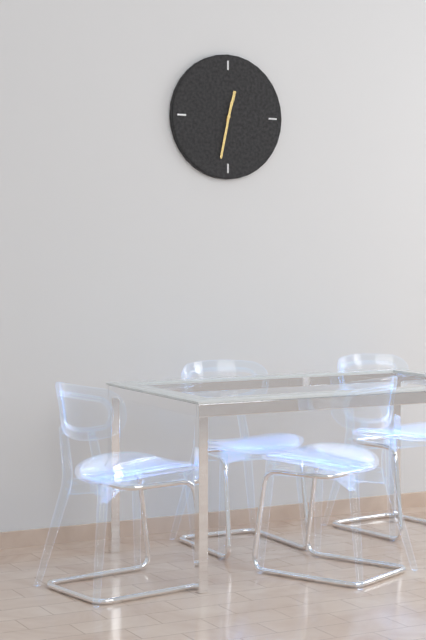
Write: 12:32
